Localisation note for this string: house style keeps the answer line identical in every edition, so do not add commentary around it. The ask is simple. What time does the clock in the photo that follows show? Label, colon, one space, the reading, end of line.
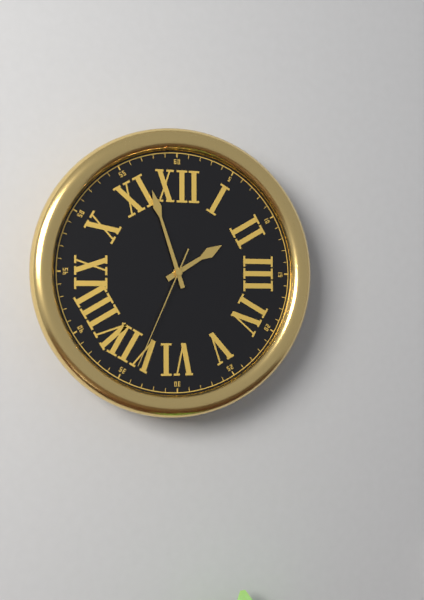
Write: 1:57:34
